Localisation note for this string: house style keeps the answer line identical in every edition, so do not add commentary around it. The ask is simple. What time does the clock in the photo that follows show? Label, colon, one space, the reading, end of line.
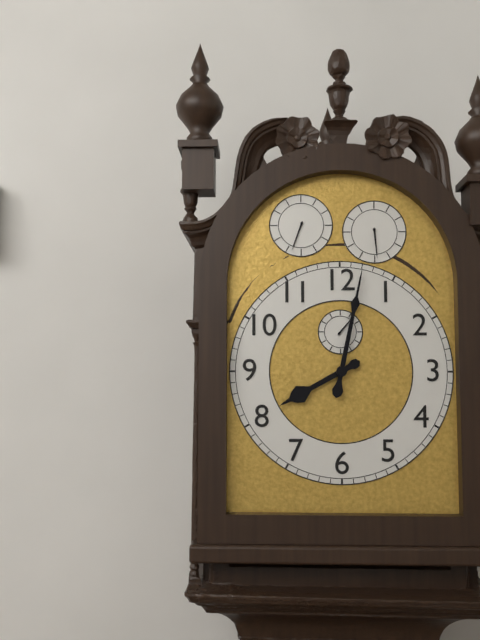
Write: 8:02
